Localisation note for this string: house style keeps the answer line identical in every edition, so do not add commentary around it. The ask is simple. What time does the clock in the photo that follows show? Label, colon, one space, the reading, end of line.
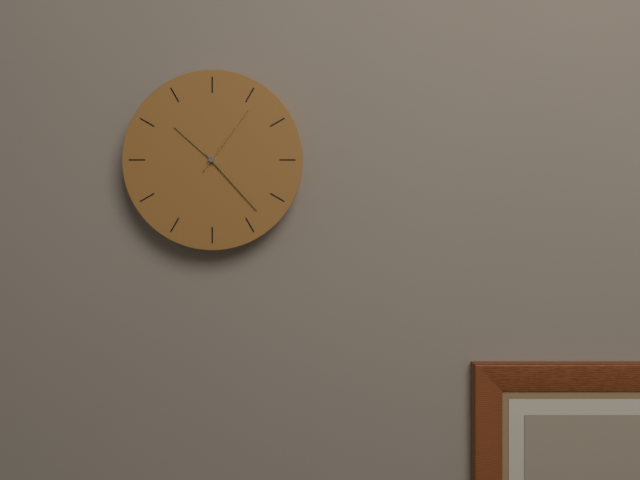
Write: 10:23:06
